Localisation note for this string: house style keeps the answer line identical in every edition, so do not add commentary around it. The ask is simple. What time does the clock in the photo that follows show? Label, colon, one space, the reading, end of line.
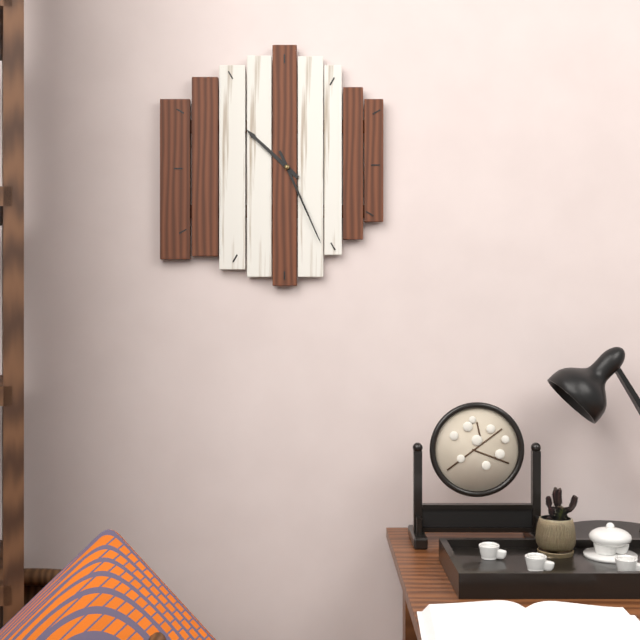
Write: 10:26
